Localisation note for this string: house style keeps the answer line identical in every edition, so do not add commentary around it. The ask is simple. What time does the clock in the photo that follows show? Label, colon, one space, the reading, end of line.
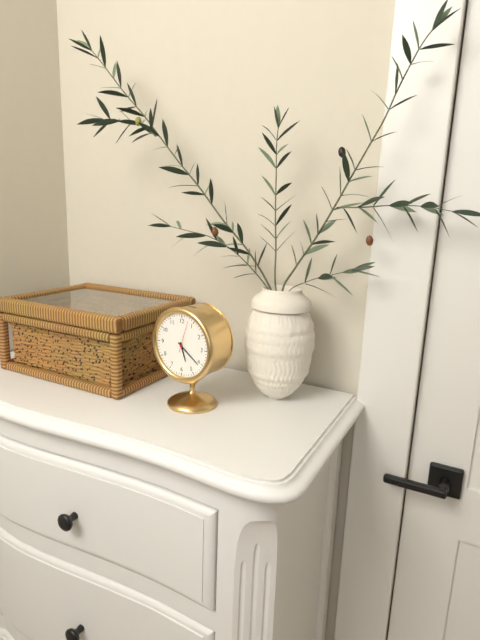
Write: 5:21
